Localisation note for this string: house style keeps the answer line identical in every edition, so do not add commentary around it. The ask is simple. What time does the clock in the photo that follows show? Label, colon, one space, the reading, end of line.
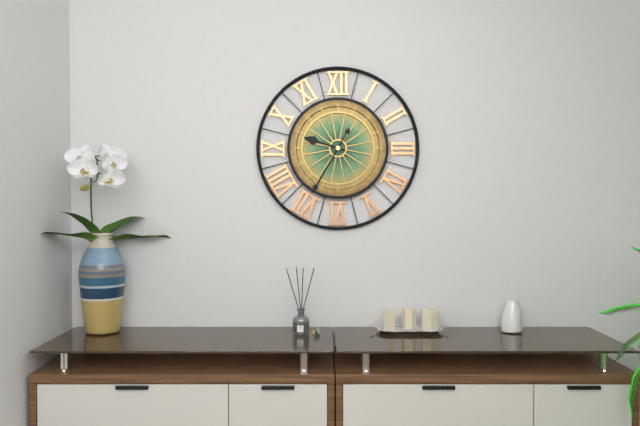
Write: 9:35
